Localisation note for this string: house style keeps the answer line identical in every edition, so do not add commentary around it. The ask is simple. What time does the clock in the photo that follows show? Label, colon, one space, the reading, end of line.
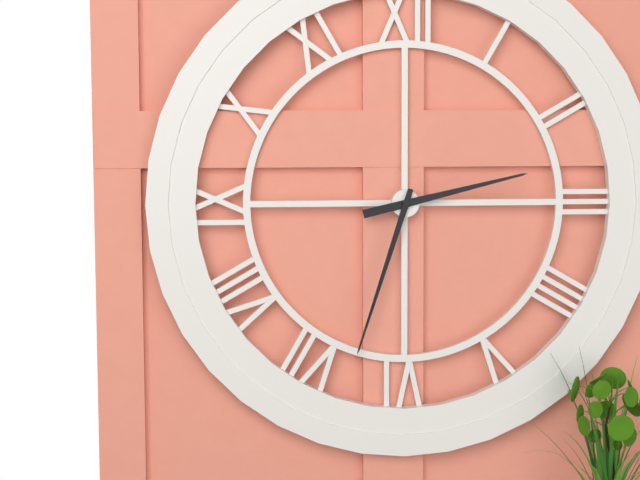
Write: 2:33
